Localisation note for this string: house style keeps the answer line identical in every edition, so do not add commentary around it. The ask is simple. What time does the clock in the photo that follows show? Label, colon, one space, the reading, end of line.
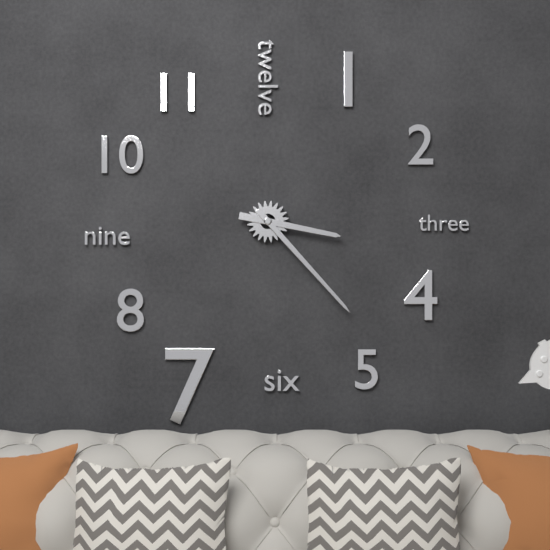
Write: 3:23
